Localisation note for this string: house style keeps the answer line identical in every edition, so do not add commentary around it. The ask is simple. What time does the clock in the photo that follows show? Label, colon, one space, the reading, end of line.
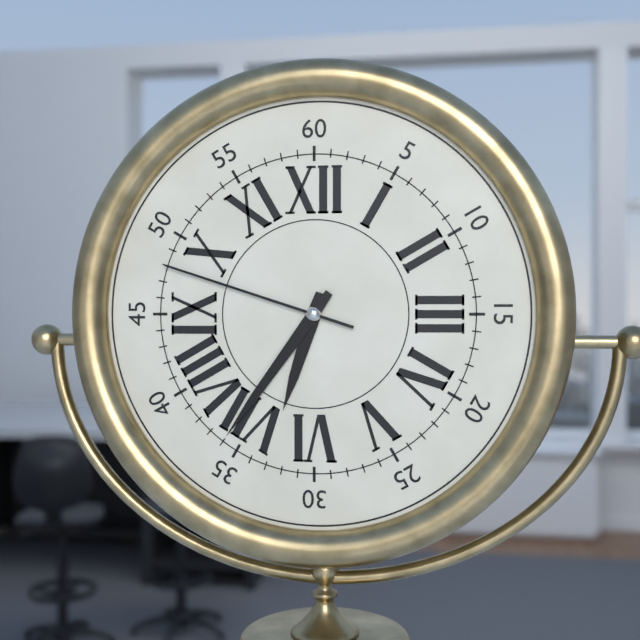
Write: 6:36:48
